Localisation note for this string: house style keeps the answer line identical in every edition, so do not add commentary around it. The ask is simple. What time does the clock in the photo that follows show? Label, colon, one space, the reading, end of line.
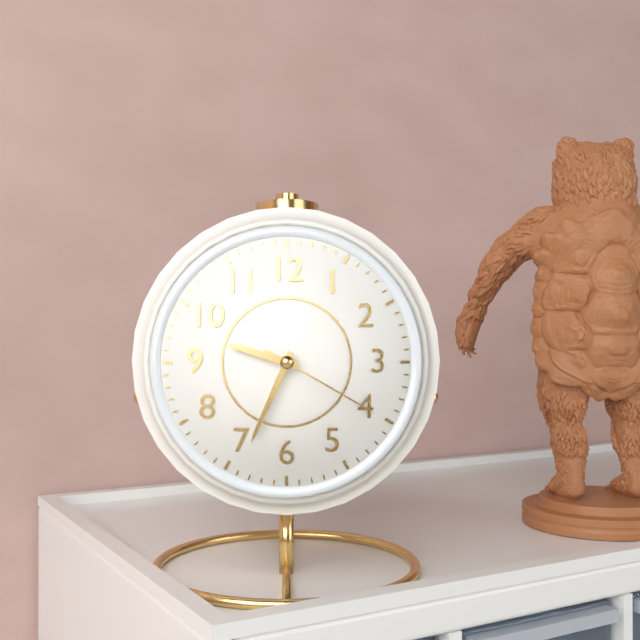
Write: 9:34:20
